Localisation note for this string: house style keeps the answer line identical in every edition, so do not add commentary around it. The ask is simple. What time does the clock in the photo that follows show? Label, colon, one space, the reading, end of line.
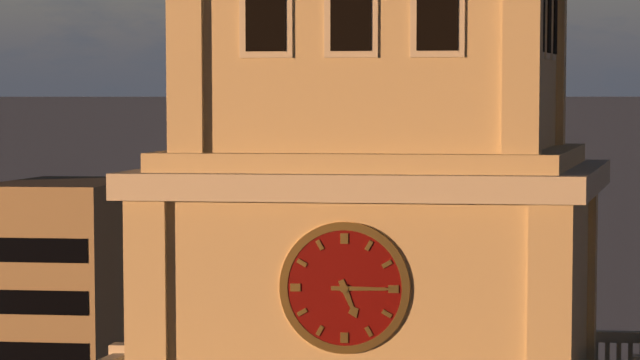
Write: 5:15
